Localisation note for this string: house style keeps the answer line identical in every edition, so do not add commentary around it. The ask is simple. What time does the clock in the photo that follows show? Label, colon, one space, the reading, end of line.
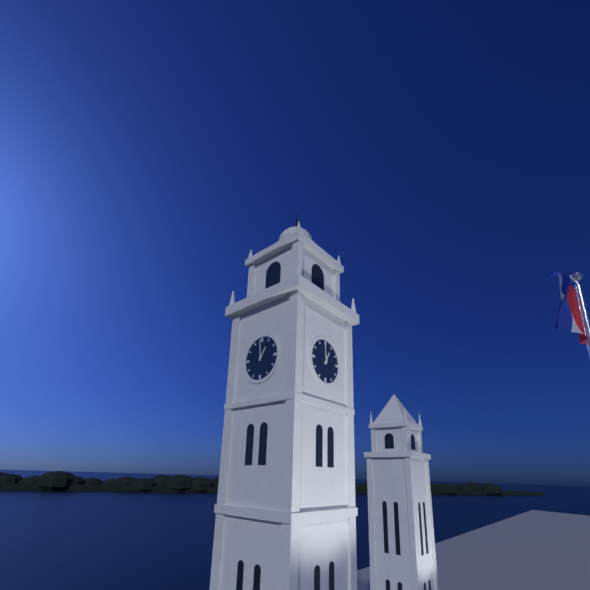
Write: 12:59
